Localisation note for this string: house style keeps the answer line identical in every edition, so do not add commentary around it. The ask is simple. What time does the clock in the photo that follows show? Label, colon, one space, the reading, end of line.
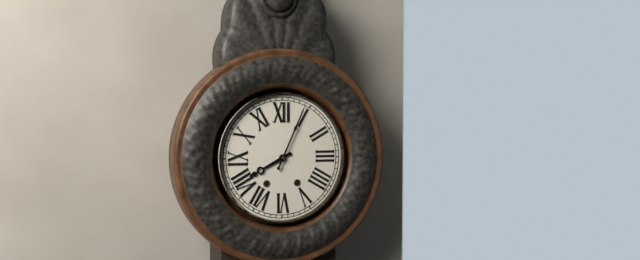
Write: 8:04
